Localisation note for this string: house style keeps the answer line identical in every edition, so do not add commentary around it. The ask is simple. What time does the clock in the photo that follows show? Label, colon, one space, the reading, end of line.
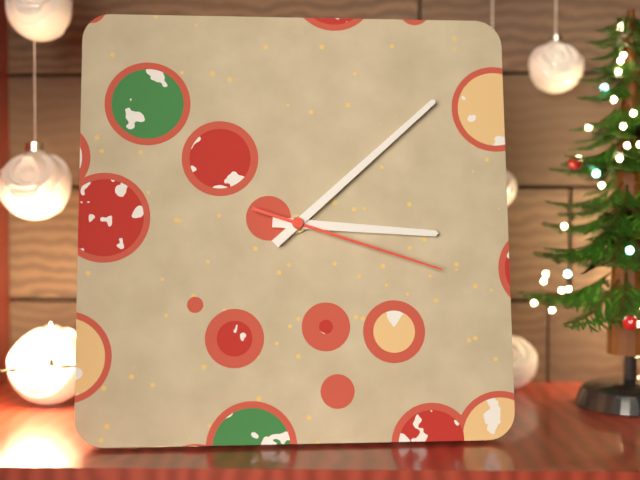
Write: 3:08:18
